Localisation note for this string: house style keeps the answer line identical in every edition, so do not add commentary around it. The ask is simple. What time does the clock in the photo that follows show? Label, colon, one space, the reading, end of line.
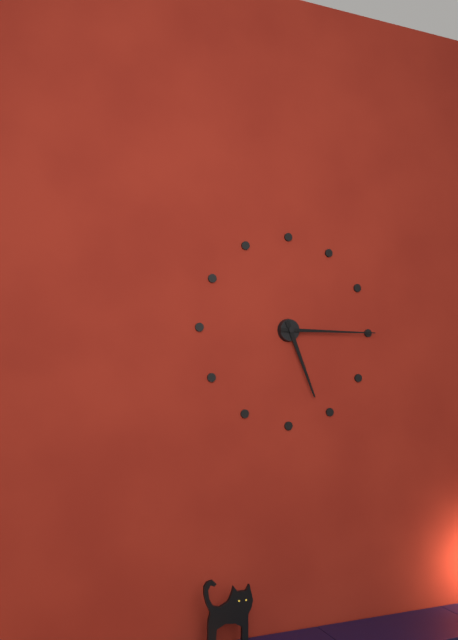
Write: 5:15
